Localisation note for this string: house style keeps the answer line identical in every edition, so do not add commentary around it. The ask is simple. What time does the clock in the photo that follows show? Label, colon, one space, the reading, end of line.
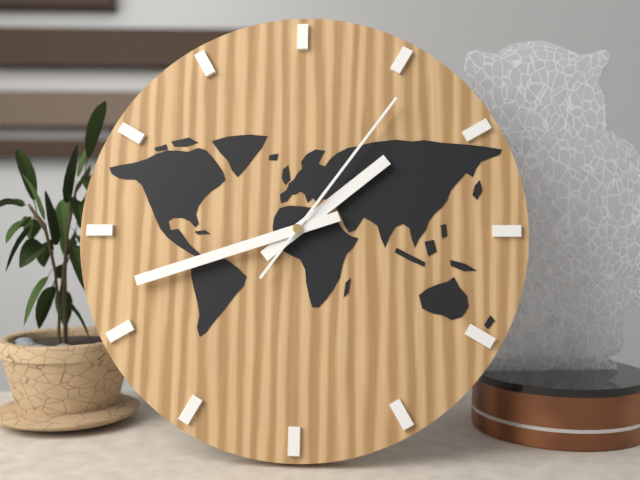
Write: 1:42:06
